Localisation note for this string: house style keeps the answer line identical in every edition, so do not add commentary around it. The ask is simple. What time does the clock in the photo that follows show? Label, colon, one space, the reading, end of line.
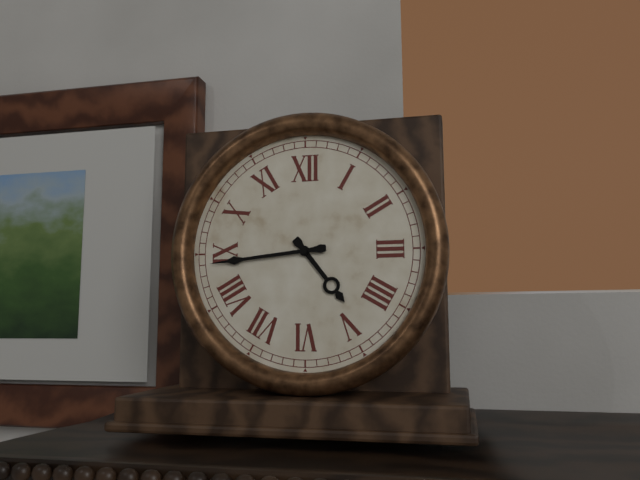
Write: 4:44
